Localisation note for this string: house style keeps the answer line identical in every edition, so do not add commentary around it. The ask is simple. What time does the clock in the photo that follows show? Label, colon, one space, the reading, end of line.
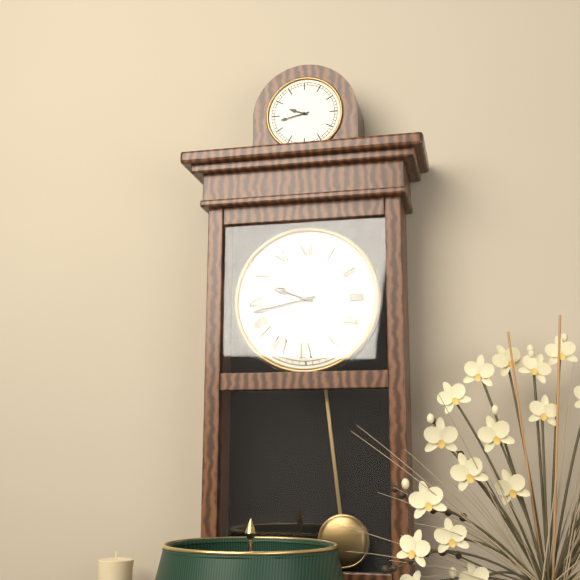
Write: 9:43
